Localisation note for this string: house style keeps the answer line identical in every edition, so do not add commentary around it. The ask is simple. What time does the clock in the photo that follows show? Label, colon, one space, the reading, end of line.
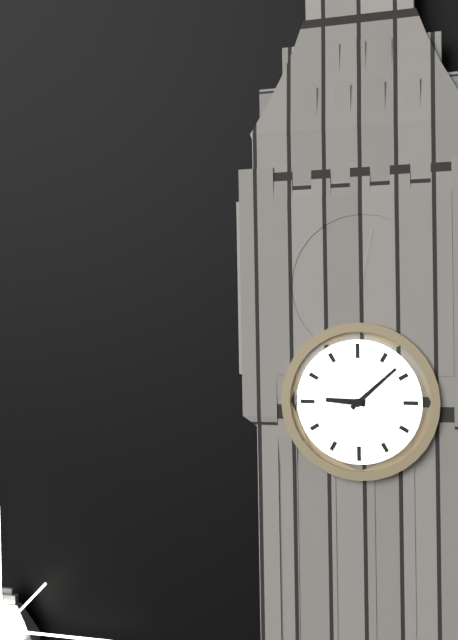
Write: 9:08
